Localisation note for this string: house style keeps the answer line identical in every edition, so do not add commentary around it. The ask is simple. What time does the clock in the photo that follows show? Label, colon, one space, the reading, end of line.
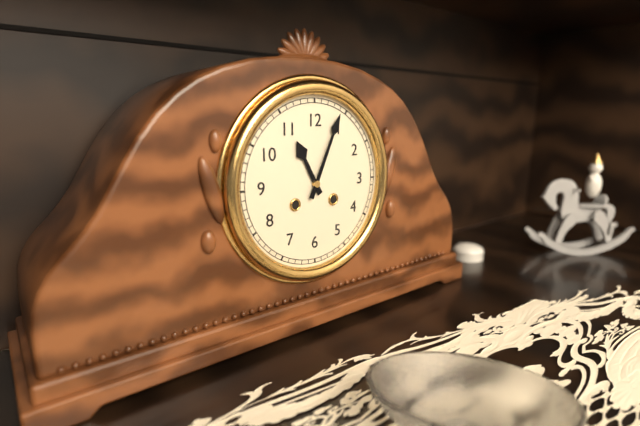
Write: 11:04
